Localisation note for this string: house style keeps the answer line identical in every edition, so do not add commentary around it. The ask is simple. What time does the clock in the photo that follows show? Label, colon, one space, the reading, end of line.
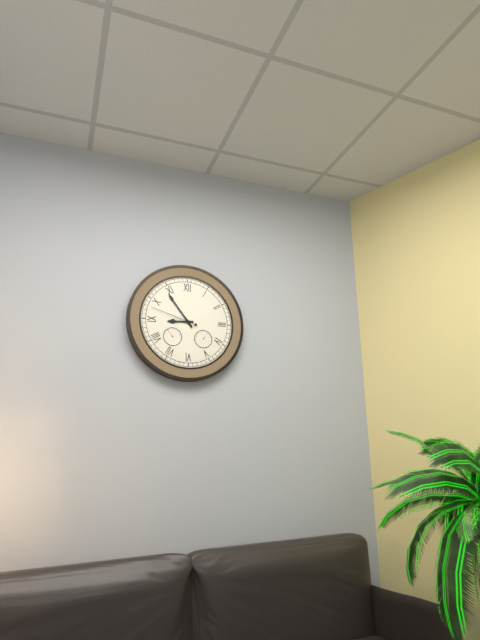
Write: 8:54
